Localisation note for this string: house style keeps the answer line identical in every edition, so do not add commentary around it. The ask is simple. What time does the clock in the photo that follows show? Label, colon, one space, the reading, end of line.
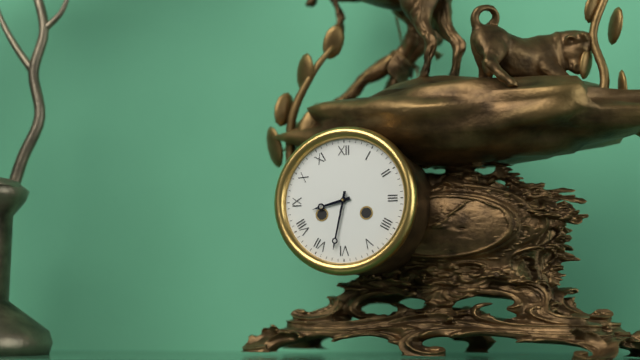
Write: 8:32
